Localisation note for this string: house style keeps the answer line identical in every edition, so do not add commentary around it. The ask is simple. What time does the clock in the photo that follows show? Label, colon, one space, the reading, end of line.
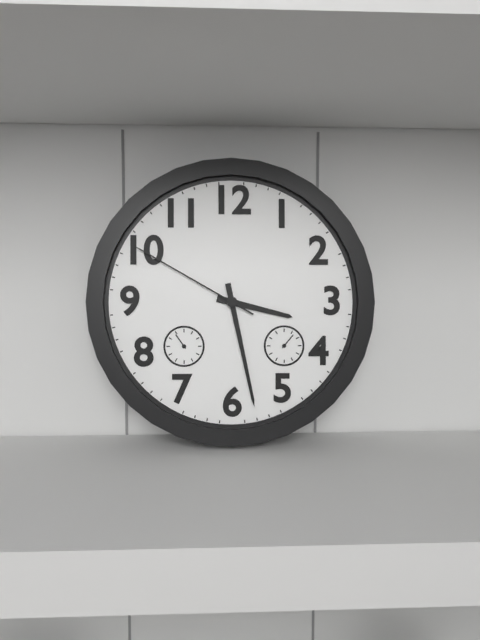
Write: 3:28:50
